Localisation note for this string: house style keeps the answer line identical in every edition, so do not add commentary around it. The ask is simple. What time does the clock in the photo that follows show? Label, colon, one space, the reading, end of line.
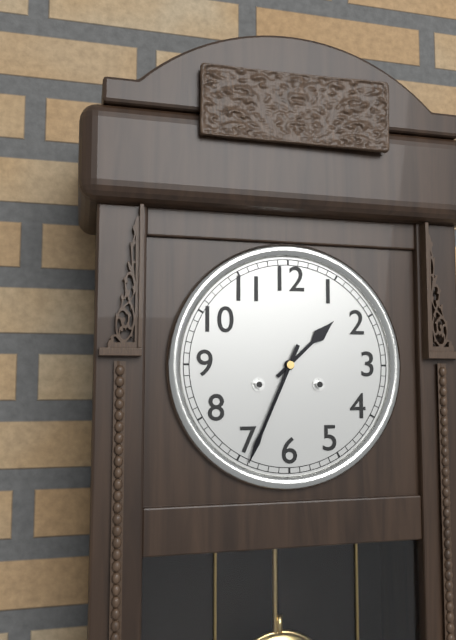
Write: 1:34
